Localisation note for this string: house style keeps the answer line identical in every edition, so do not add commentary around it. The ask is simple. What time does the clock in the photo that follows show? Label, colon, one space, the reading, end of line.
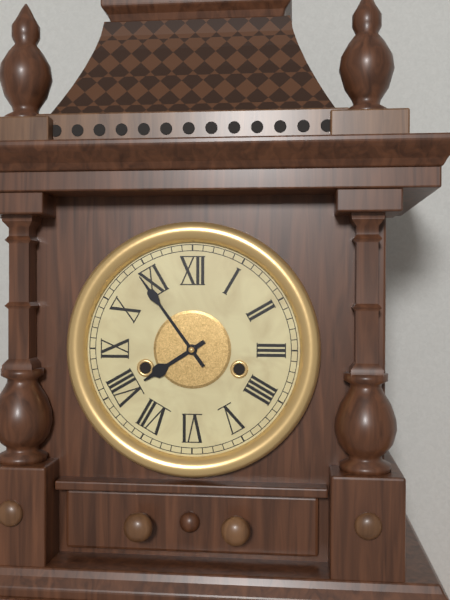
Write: 7:54
